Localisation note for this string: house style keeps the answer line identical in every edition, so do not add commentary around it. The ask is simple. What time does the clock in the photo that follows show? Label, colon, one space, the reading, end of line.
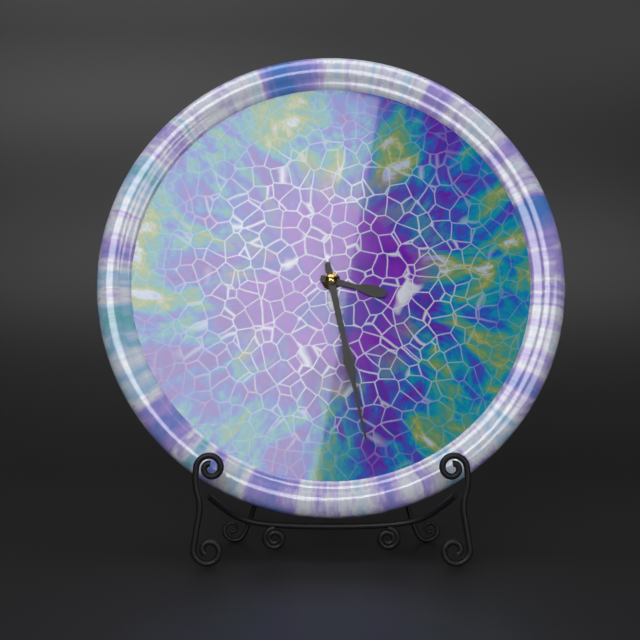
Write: 3:28
